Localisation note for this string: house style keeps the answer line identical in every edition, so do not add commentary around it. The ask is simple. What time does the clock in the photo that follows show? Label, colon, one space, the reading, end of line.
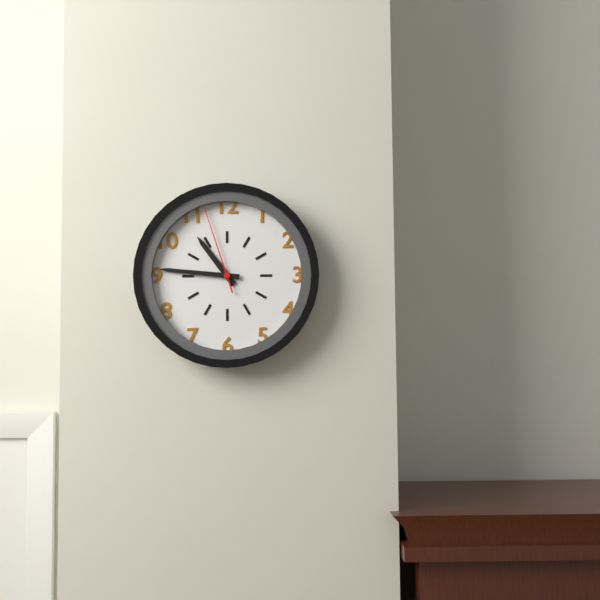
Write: 10:46:57
